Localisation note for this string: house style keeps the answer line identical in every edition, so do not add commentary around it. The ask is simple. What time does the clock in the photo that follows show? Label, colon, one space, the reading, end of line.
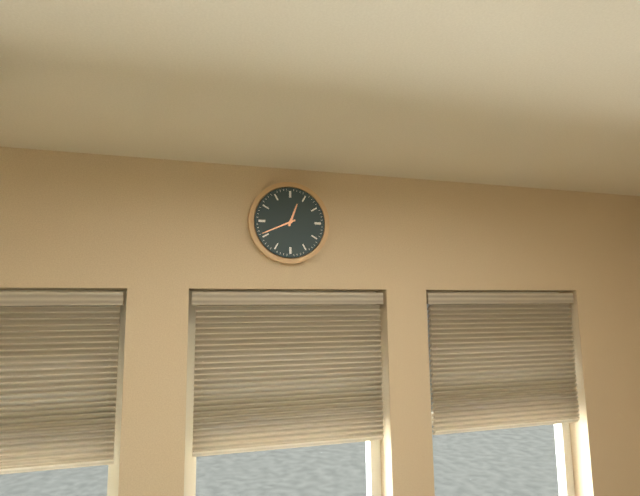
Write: 12:41
